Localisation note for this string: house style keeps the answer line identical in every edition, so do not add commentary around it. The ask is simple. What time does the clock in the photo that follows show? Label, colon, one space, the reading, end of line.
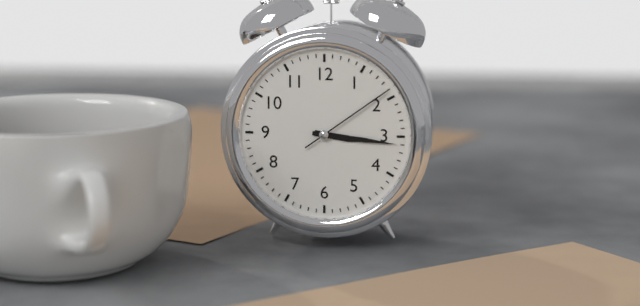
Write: 3:16:09
